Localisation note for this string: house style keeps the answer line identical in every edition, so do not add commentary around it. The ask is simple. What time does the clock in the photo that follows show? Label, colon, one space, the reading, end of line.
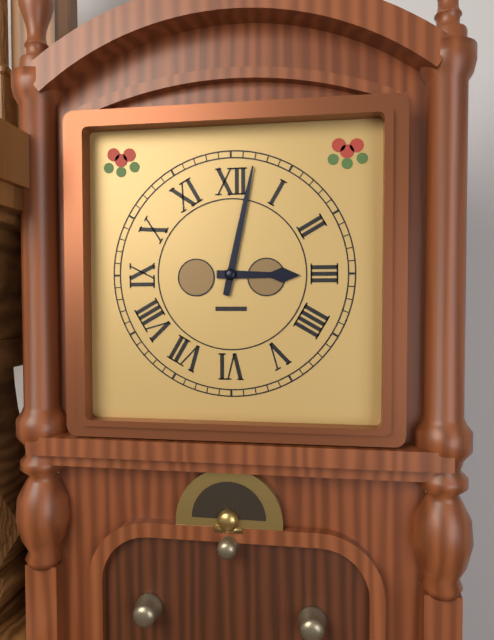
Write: 3:02
